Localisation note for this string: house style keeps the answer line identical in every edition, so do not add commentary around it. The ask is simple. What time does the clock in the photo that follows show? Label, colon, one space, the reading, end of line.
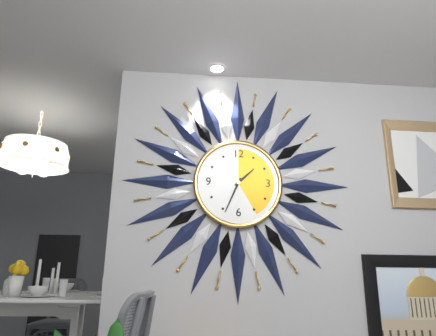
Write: 1:34
